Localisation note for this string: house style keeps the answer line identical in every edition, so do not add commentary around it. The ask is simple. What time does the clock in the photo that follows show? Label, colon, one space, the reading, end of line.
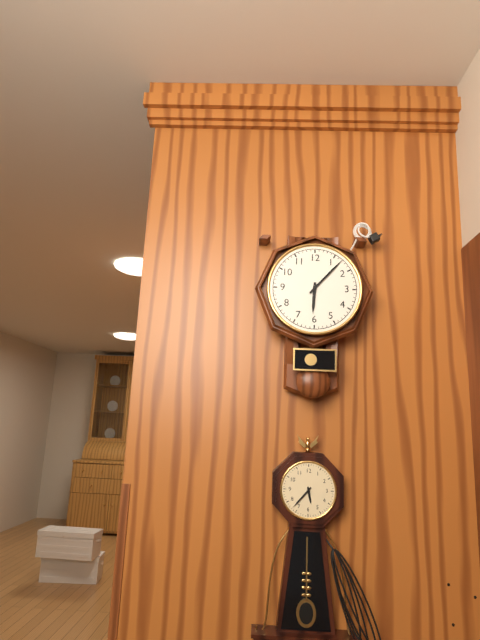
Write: 6:07
